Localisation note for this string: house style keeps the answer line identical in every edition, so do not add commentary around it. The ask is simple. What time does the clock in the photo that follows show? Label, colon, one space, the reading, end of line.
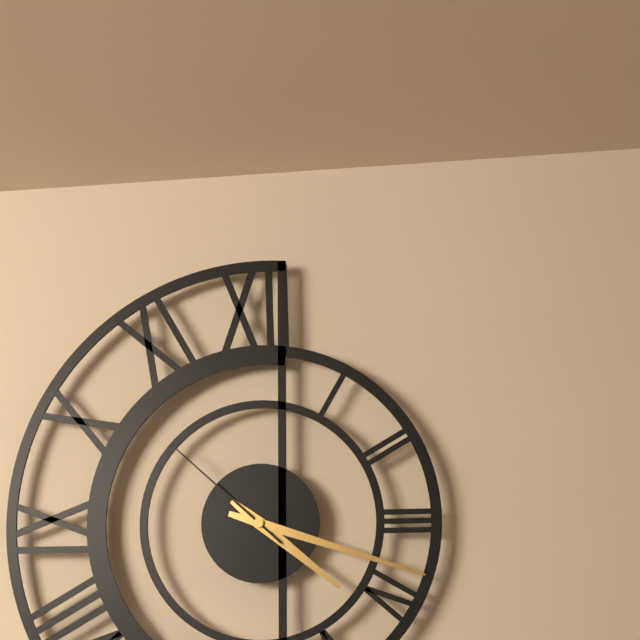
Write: 4:18:52
